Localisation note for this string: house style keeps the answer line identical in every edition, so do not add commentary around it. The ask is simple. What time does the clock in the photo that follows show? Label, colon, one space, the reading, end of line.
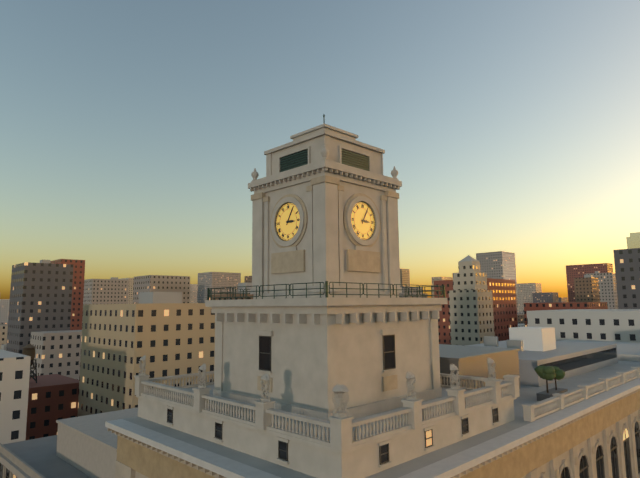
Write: 3:05
